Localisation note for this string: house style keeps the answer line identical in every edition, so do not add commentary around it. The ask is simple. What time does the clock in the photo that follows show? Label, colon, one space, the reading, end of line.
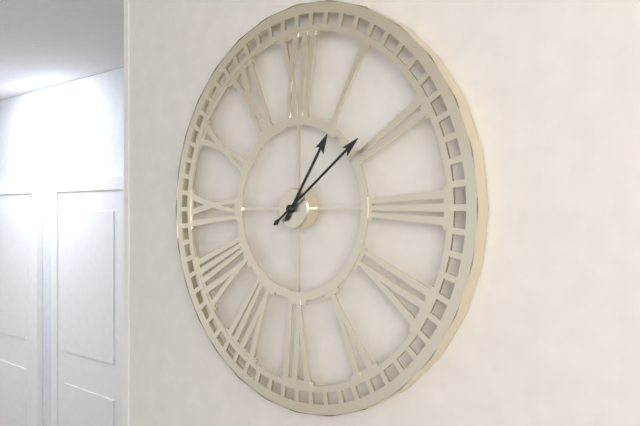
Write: 1:09
